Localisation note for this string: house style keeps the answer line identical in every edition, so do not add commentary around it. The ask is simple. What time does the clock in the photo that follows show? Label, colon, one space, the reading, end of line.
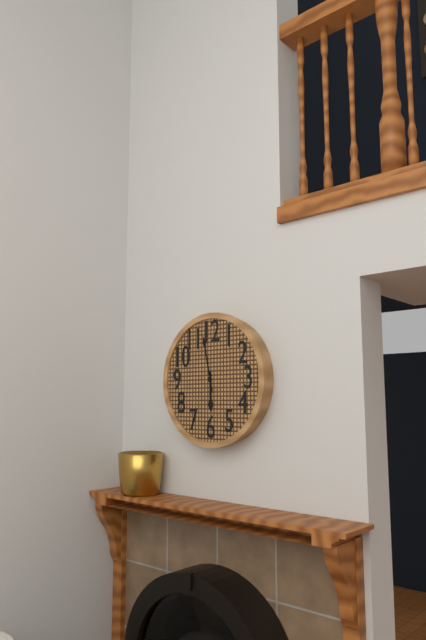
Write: 5:58
